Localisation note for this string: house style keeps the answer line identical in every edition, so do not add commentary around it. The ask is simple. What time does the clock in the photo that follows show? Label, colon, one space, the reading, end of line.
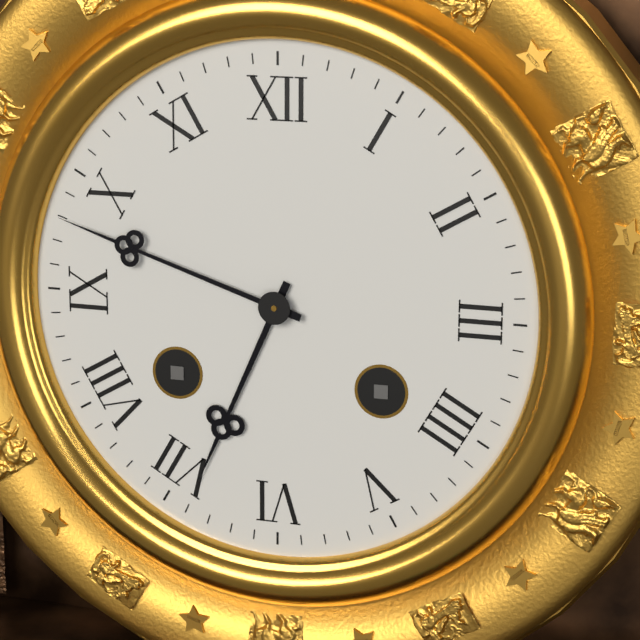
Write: 6:48
